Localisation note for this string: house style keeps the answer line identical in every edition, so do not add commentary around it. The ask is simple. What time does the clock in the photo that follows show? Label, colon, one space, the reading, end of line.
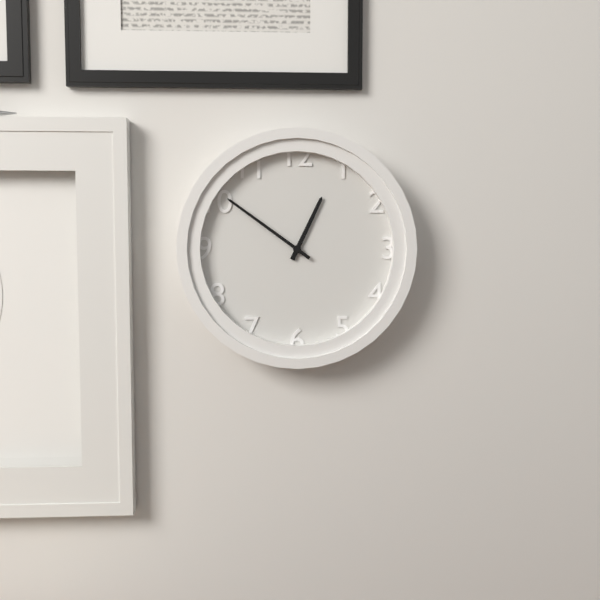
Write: 12:51
